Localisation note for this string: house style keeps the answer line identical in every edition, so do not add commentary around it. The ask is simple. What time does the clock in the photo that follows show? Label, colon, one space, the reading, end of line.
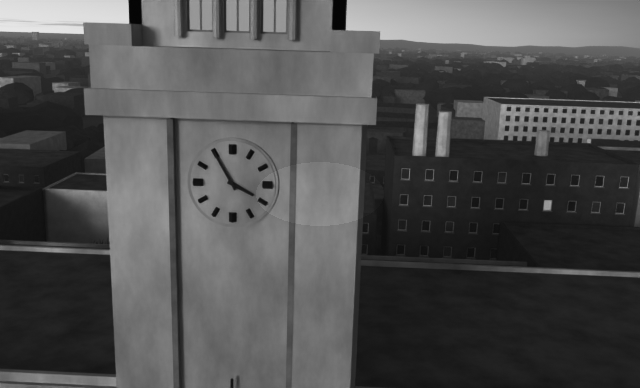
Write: 3:55
